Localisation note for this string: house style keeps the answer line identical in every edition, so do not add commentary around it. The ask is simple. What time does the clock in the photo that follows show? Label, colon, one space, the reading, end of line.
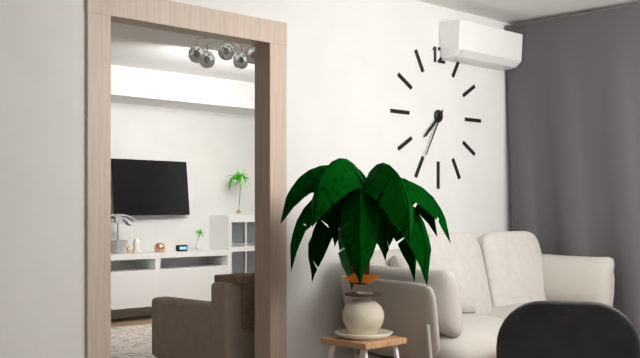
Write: 7:35
